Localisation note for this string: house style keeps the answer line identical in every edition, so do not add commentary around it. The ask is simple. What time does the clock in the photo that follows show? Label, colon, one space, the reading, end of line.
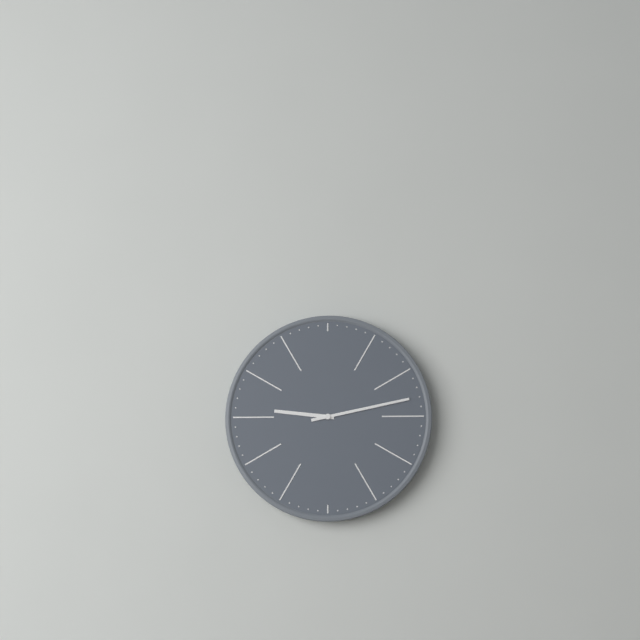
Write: 9:13
